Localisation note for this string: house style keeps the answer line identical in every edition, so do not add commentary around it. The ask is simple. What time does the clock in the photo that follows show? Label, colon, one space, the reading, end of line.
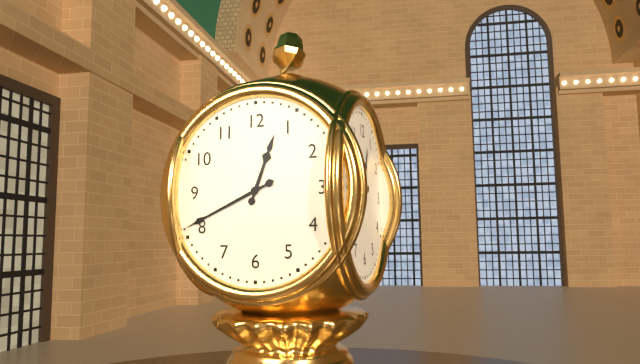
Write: 12:41
